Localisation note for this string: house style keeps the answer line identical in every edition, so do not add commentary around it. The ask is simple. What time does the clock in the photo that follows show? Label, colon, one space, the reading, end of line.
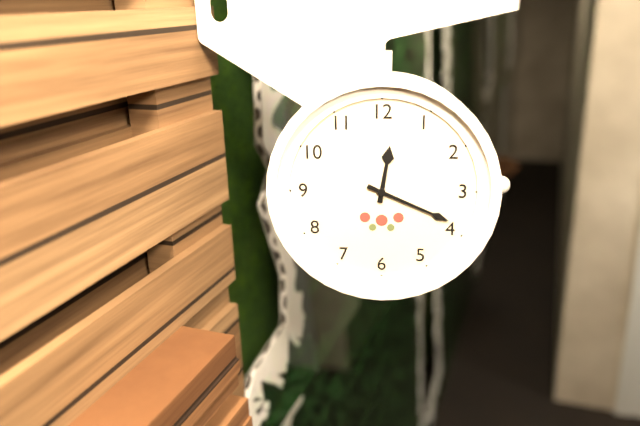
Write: 12:19
